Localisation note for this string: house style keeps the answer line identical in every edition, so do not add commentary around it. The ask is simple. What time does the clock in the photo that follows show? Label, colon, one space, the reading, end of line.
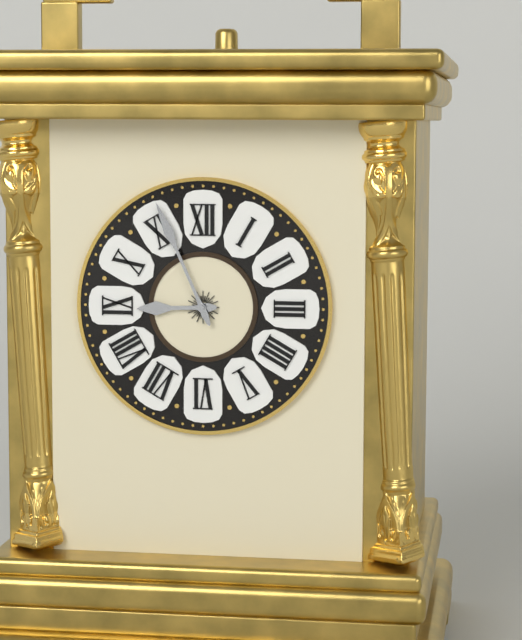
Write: 8:56
